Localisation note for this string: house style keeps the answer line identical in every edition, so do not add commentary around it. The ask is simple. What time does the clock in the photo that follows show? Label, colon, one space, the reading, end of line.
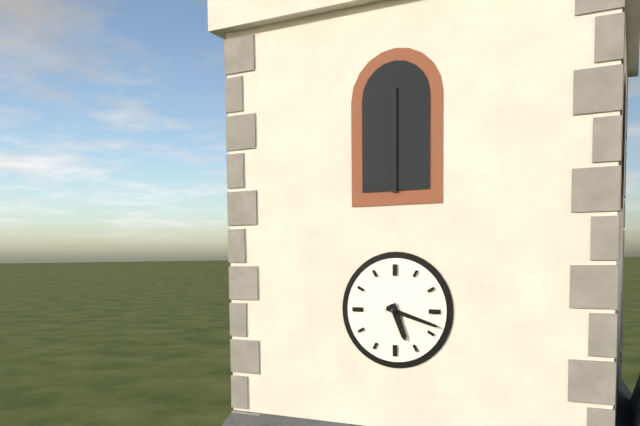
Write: 5:18
